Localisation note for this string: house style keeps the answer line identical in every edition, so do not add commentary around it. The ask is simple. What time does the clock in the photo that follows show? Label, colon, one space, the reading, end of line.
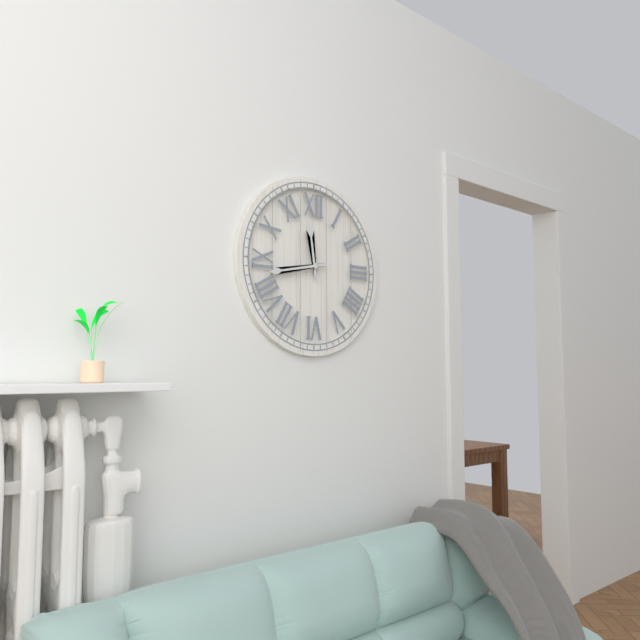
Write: 11:43
